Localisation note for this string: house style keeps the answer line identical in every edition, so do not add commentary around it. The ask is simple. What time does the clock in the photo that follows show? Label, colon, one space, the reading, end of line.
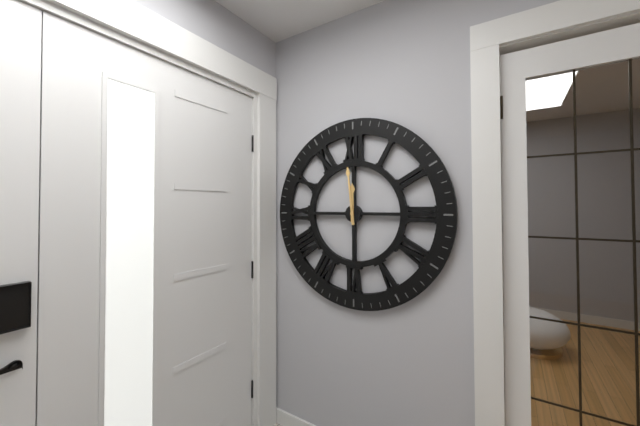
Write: 11:59
